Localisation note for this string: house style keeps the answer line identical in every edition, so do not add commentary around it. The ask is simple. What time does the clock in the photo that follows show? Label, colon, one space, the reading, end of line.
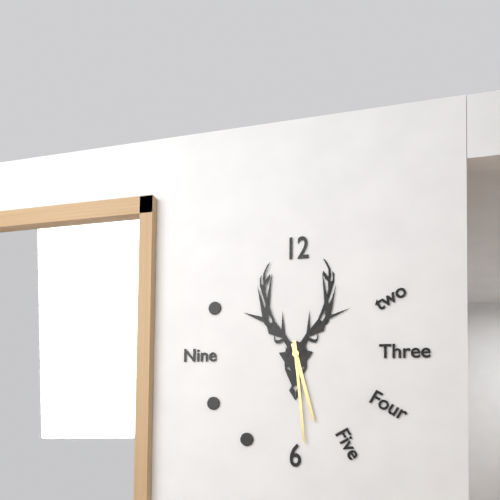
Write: 5:29
